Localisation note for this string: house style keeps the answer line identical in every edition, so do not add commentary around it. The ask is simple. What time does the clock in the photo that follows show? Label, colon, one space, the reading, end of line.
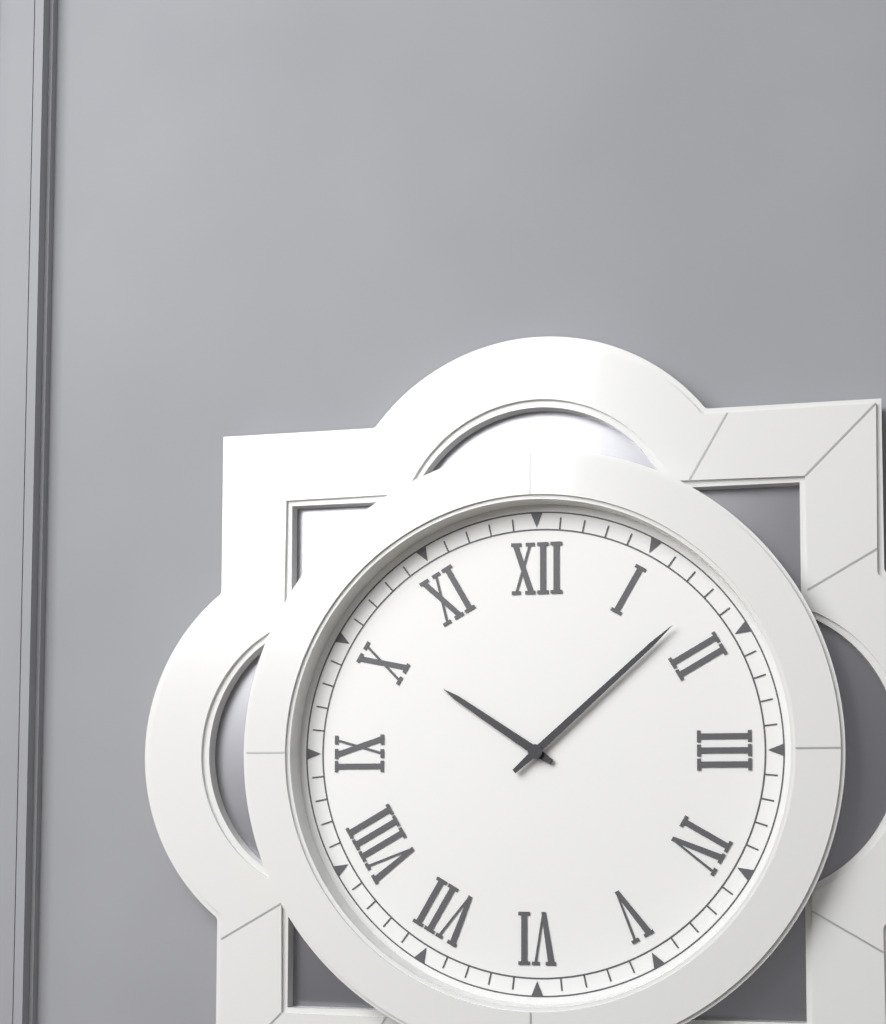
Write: 10:08
